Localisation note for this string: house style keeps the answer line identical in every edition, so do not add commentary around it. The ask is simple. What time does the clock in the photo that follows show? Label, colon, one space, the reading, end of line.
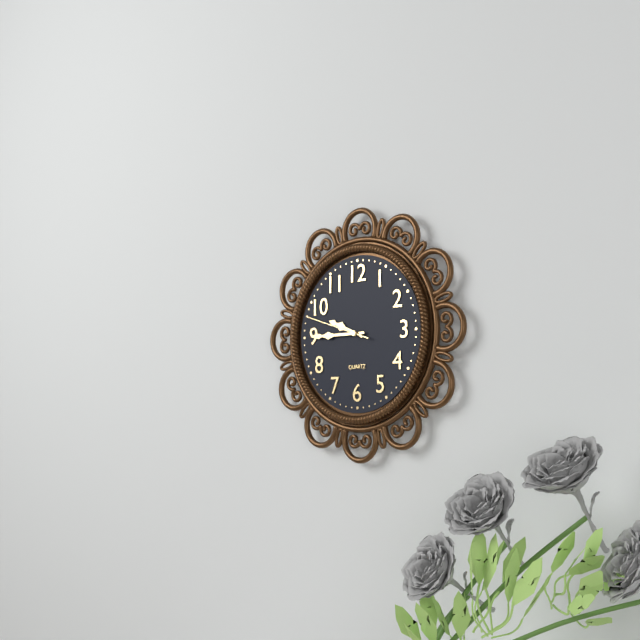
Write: 9:45:48
